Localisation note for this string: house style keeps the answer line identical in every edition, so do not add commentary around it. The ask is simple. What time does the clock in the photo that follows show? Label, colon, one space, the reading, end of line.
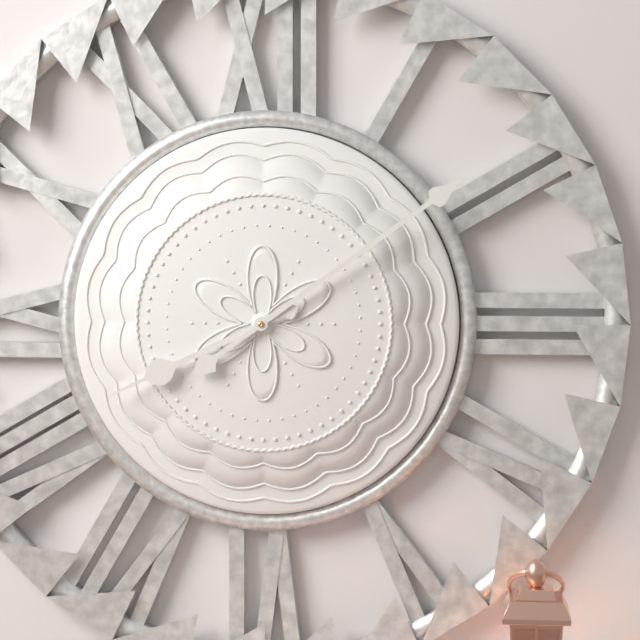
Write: 8:09
